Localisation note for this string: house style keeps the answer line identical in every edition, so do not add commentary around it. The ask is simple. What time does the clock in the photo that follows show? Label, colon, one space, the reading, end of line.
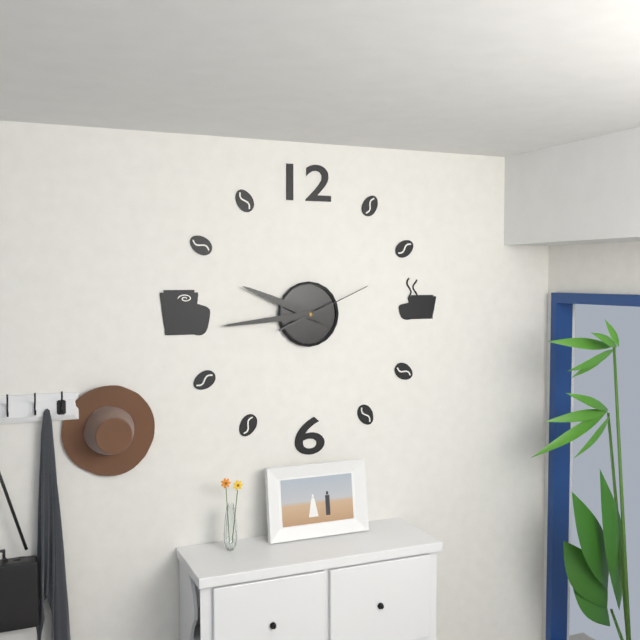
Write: 9:44:11
